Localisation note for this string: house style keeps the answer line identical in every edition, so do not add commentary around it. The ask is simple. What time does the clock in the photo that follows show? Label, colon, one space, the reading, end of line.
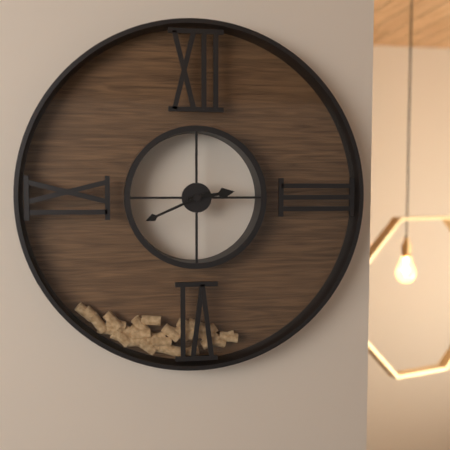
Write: 2:41
